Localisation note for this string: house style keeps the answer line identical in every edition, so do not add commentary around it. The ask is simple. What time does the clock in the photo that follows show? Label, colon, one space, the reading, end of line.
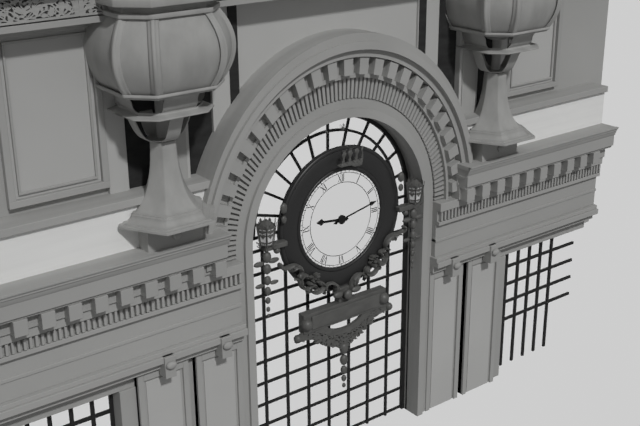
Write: 9:13
